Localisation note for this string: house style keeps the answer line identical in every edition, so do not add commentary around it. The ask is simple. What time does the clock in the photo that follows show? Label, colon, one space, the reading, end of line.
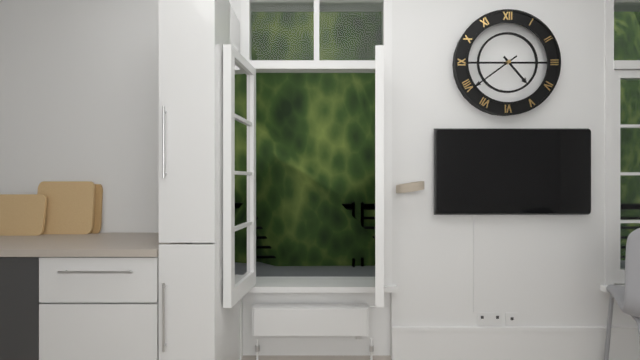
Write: 4:39
